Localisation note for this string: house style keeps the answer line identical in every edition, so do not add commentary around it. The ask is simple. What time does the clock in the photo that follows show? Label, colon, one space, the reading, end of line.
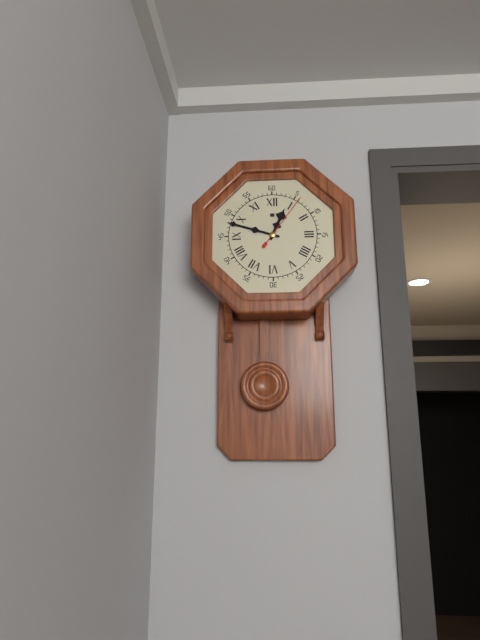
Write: 12:48:06
